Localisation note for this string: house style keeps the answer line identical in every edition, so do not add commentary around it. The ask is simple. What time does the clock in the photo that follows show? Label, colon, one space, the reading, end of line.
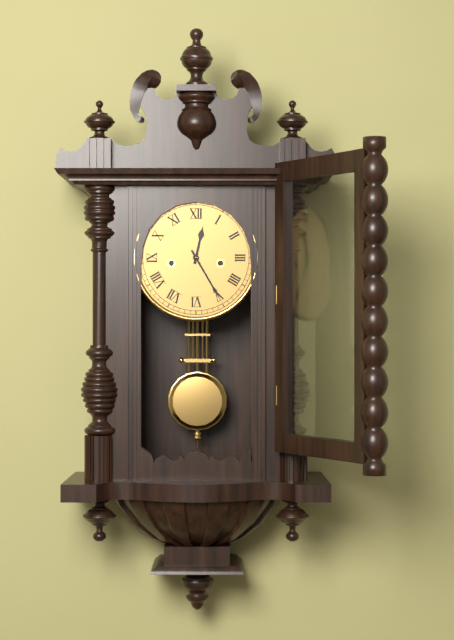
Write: 12:25
